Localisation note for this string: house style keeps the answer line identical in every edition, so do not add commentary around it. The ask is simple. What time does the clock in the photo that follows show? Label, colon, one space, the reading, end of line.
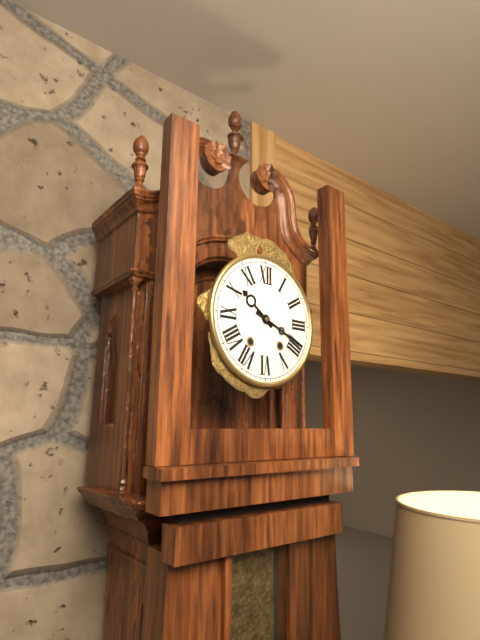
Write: 10:19
